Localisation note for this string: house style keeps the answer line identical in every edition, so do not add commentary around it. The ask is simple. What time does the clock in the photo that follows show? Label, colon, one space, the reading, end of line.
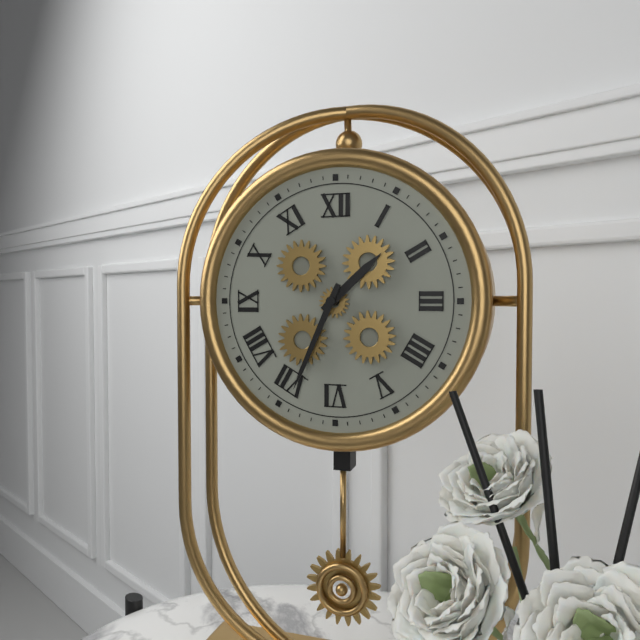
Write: 1:34
